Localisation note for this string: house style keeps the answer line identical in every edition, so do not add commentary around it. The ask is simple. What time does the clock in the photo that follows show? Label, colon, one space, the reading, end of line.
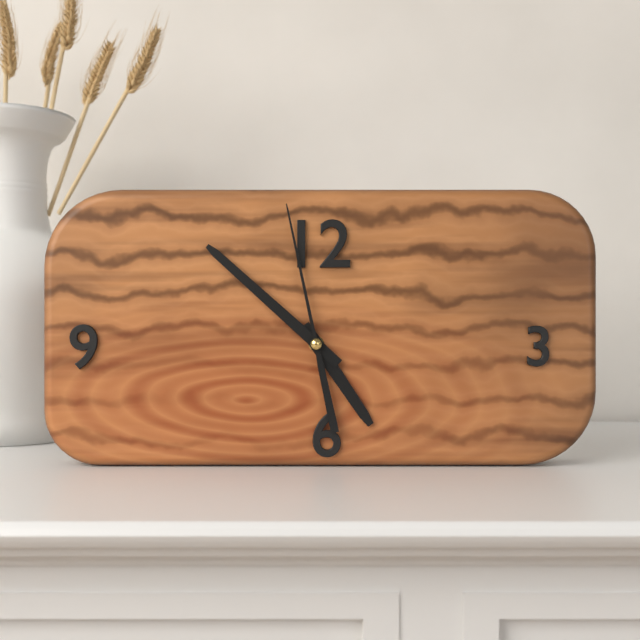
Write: 4:52:58
